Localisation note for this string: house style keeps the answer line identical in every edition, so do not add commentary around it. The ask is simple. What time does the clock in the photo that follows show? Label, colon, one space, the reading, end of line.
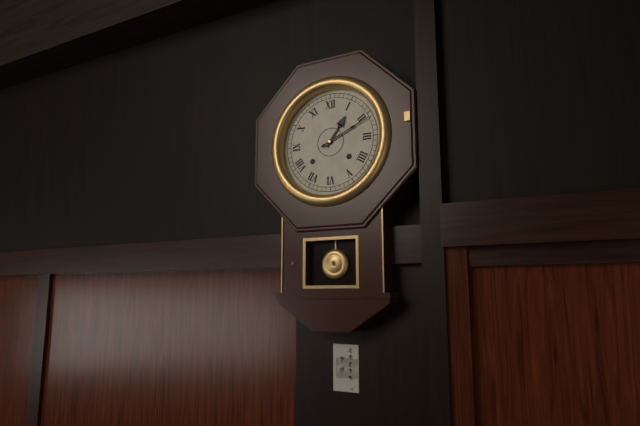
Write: 1:11
